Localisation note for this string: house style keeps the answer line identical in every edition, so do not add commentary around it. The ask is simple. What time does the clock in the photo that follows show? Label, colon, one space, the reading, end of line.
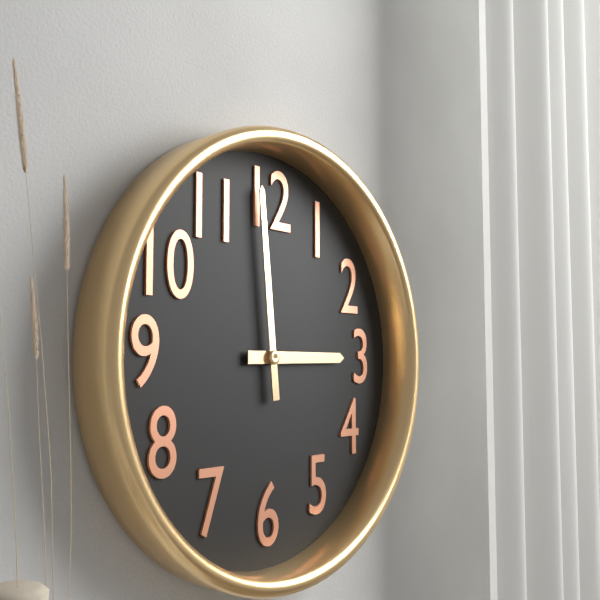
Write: 2:59
